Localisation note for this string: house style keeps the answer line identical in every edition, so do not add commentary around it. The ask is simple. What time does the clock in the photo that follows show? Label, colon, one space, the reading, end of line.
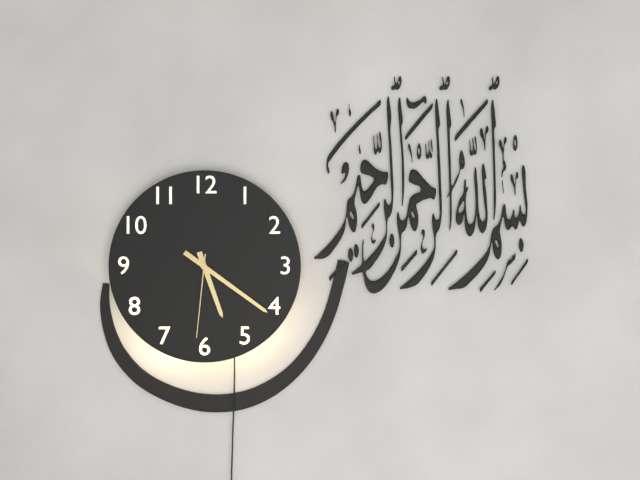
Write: 5:21:31
